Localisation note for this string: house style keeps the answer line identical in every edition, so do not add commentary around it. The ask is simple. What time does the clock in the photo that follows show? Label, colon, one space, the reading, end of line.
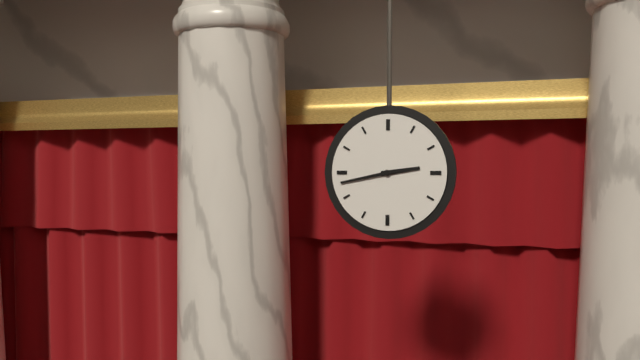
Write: 2:43
